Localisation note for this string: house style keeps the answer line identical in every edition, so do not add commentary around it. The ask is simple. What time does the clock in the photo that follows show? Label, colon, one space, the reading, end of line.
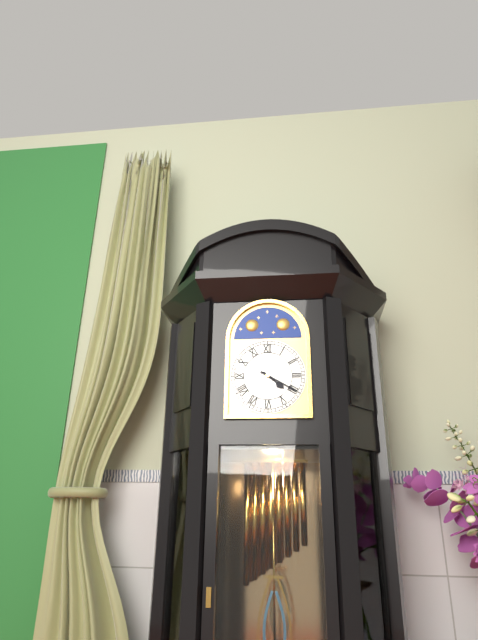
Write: 4:20
